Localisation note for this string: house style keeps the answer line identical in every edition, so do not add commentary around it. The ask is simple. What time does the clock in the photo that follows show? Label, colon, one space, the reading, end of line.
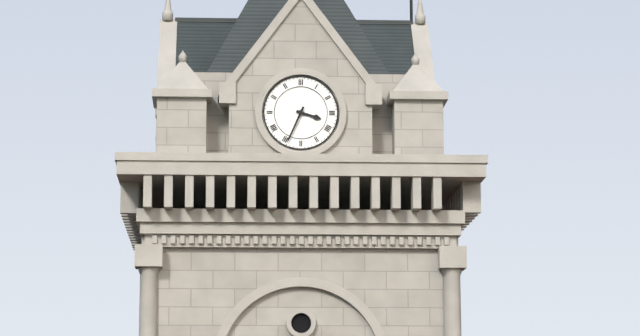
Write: 3:34
